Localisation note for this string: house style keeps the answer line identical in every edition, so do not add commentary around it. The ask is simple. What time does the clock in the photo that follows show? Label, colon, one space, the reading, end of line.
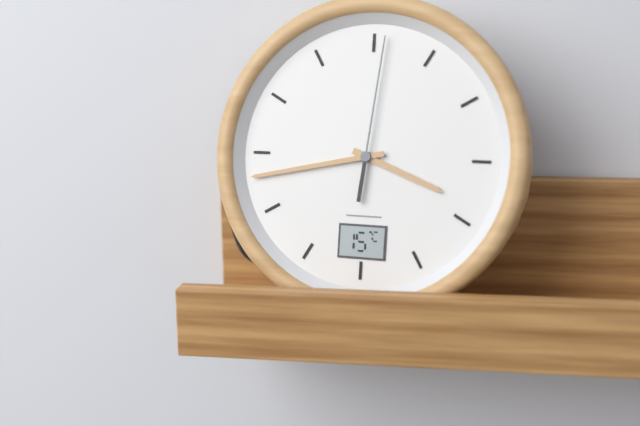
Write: 3:43:01
